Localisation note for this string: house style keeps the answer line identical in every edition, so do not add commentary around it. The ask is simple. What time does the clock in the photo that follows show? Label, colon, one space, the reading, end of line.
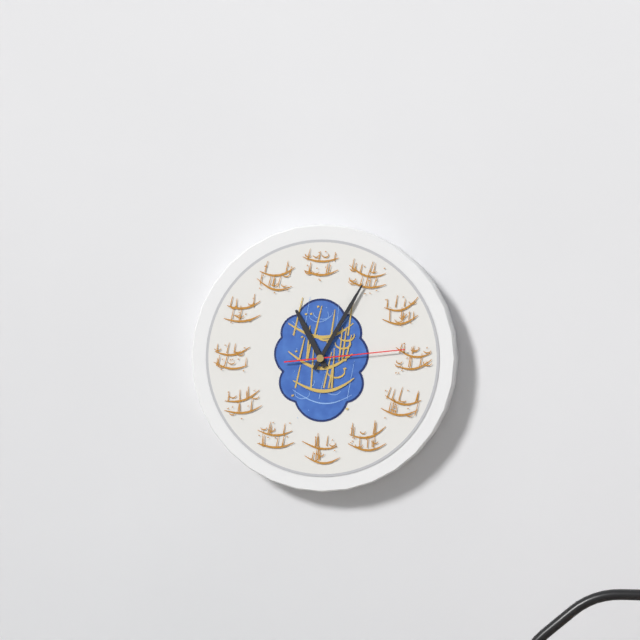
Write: 11:05:14
